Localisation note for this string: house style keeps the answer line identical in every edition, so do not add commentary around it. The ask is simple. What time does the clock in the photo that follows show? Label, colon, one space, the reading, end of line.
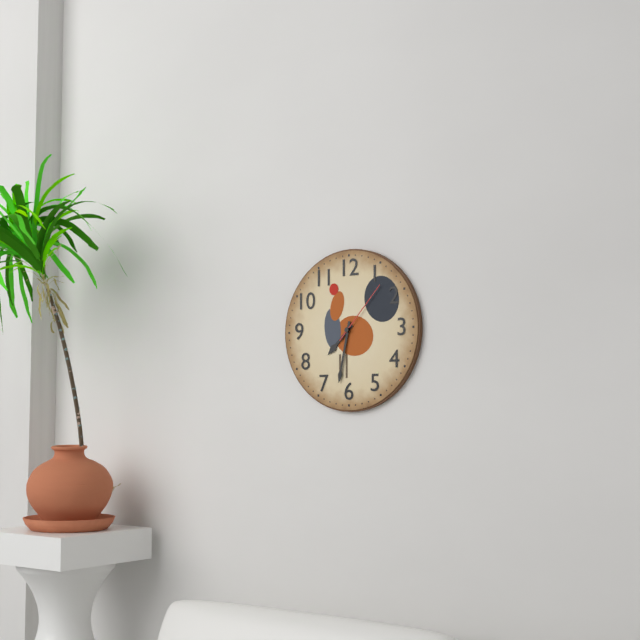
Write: 7:32:07
